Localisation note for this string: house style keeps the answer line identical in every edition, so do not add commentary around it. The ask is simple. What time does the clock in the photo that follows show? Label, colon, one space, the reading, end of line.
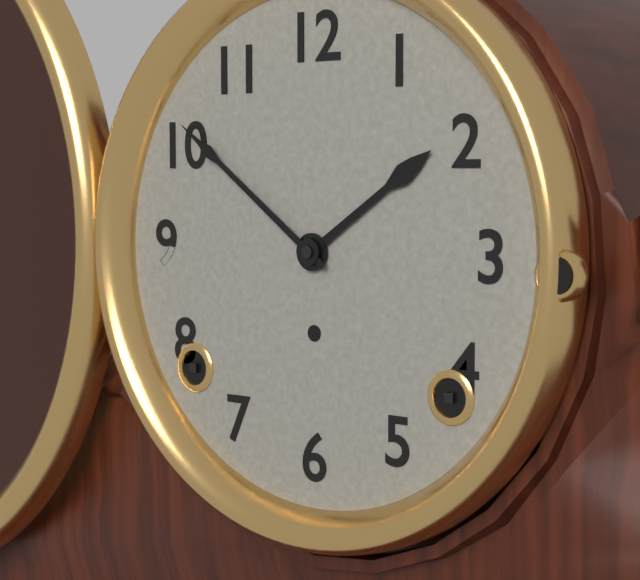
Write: 1:51
